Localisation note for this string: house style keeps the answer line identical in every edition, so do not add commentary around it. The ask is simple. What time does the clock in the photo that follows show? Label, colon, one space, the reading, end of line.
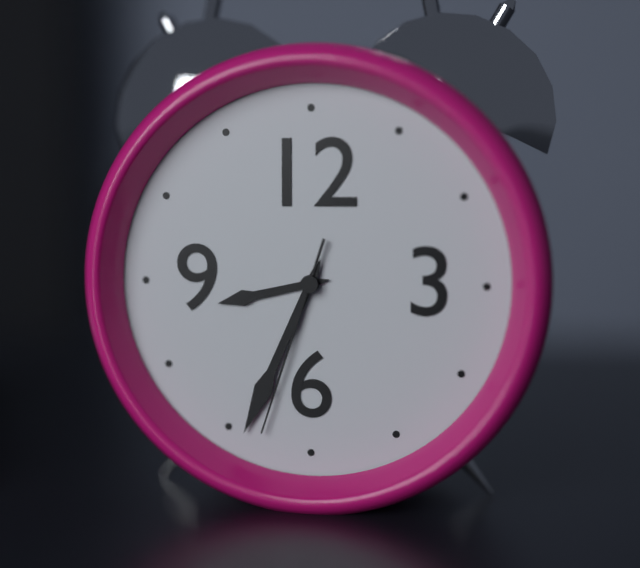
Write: 8:34:33
